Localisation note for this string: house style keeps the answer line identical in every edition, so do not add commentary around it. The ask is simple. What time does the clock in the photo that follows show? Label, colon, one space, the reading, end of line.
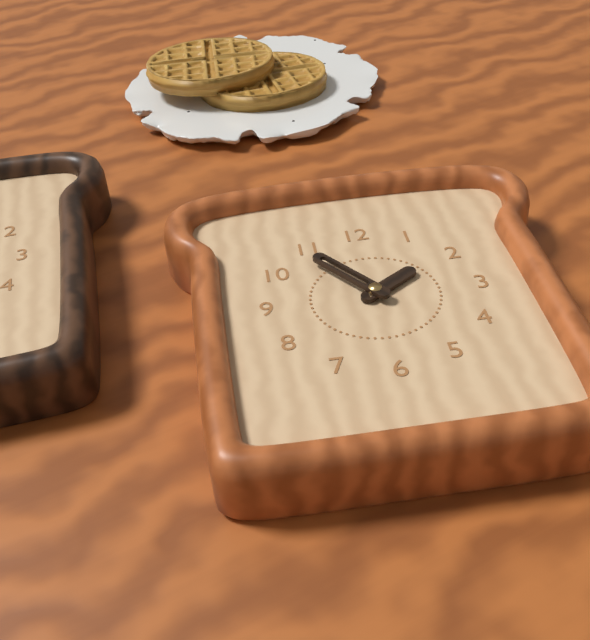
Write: 1:54
